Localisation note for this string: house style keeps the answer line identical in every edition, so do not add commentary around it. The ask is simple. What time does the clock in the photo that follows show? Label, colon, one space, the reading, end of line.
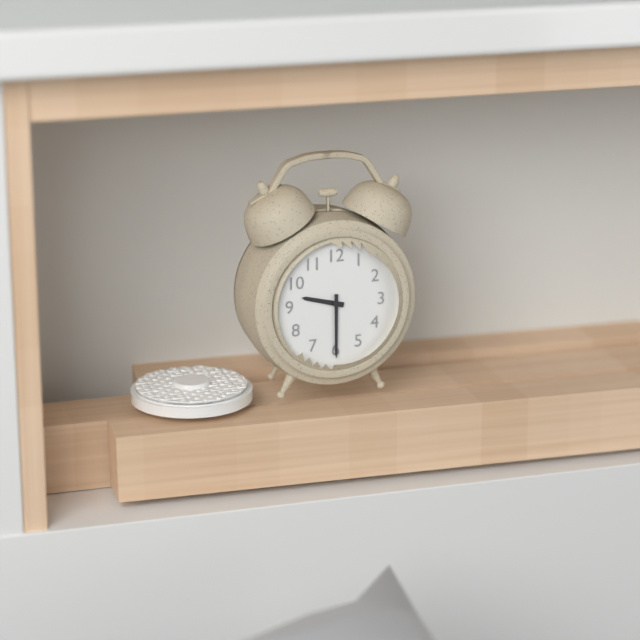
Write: 9:30
